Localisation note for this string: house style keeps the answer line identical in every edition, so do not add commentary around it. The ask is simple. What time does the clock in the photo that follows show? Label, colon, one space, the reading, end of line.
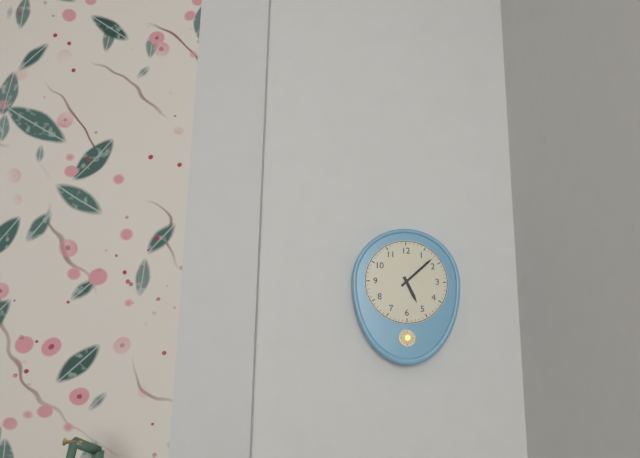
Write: 5:08
